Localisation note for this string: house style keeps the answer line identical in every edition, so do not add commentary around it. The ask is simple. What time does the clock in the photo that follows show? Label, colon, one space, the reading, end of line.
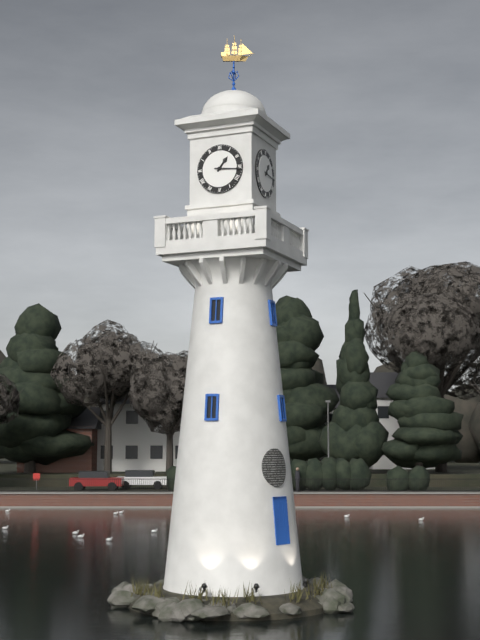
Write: 1:16
